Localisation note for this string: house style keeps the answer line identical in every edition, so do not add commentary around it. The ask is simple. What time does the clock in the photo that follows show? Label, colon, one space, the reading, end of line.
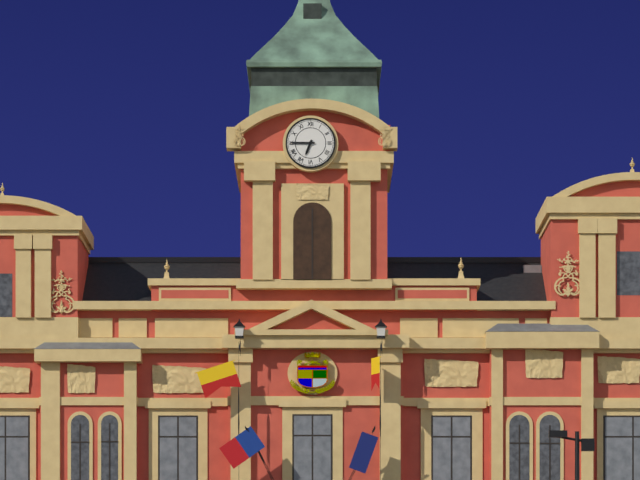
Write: 6:45
